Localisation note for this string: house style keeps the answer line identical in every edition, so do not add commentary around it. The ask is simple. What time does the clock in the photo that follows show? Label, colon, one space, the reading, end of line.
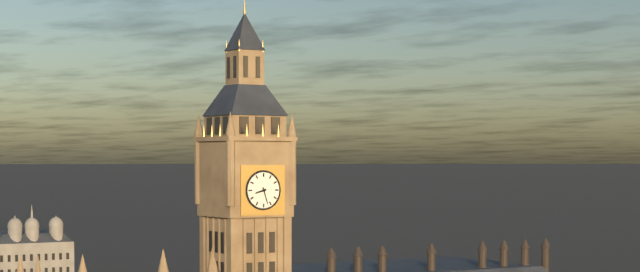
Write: 8:27
